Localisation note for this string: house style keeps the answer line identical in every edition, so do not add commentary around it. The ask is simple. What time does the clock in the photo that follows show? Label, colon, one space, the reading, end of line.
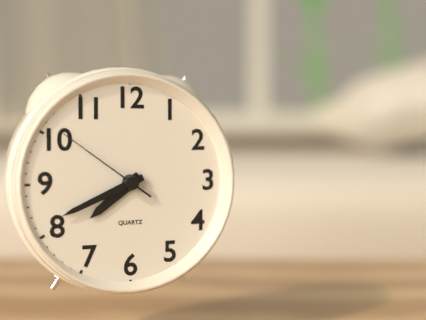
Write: 7:41:51
